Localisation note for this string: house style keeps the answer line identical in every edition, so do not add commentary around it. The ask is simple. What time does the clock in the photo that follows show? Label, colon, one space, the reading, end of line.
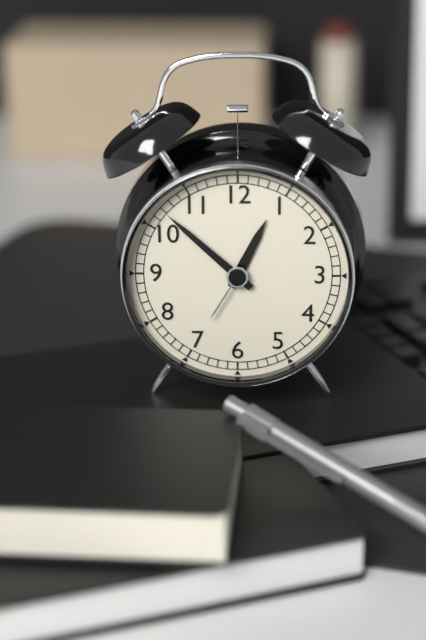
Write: 12:52
